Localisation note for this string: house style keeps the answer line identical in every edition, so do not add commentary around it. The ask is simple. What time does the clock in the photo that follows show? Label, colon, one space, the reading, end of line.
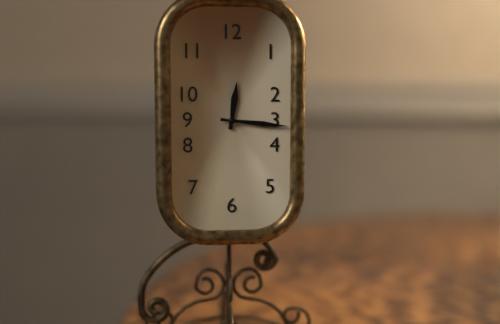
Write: 12:16
